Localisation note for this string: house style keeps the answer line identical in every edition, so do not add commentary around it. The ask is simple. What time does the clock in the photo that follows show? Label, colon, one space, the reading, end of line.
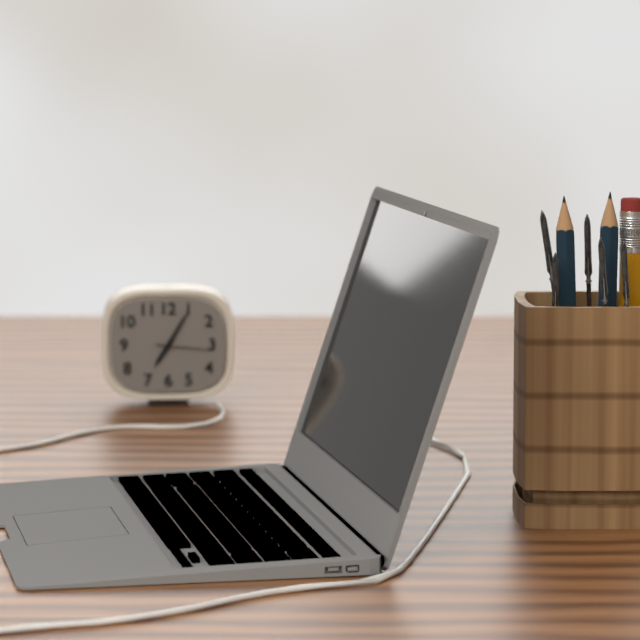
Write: 7:05:16
